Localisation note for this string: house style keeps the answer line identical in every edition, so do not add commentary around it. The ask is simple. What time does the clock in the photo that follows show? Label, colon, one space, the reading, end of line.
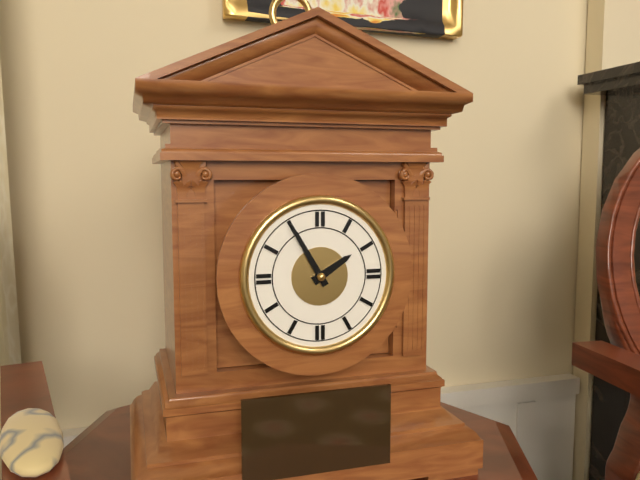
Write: 1:55
